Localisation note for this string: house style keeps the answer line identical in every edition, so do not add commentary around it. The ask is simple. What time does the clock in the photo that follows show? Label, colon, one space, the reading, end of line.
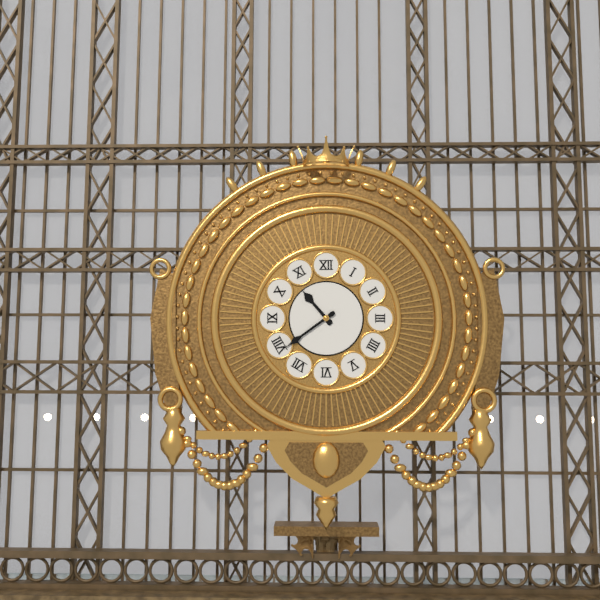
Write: 10:39
